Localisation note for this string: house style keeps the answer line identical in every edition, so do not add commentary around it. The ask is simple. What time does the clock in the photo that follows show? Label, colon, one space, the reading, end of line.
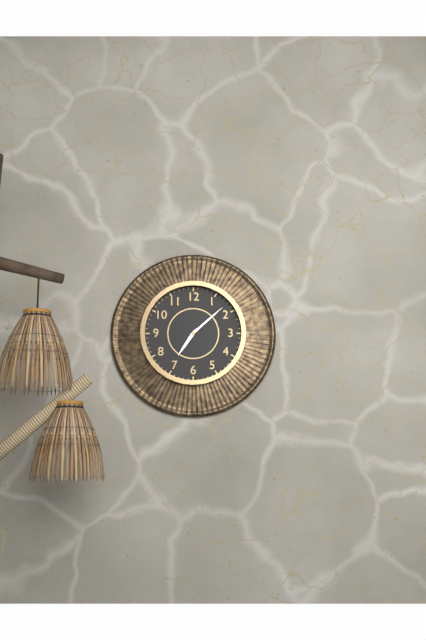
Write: 7:08
